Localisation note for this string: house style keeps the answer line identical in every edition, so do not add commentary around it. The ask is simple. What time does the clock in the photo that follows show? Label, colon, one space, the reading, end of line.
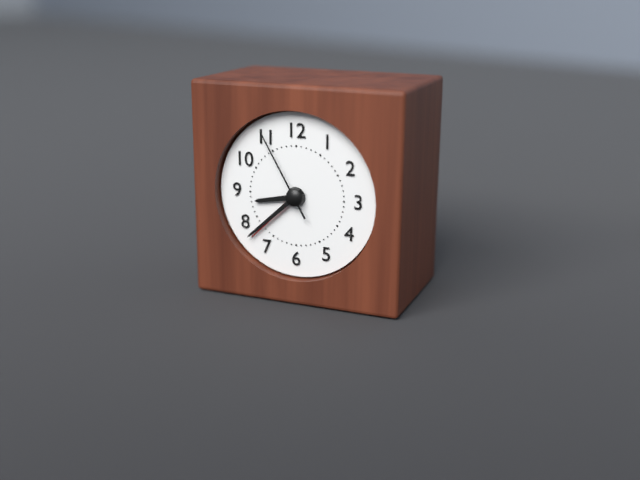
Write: 8:38:55
